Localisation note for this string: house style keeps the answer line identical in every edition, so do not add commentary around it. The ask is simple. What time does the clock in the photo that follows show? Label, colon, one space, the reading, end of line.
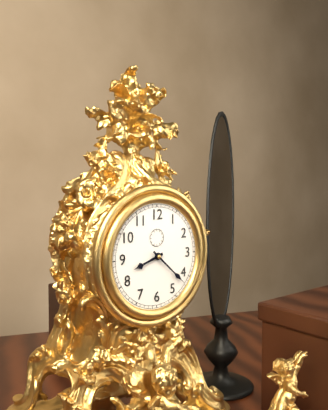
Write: 8:22
